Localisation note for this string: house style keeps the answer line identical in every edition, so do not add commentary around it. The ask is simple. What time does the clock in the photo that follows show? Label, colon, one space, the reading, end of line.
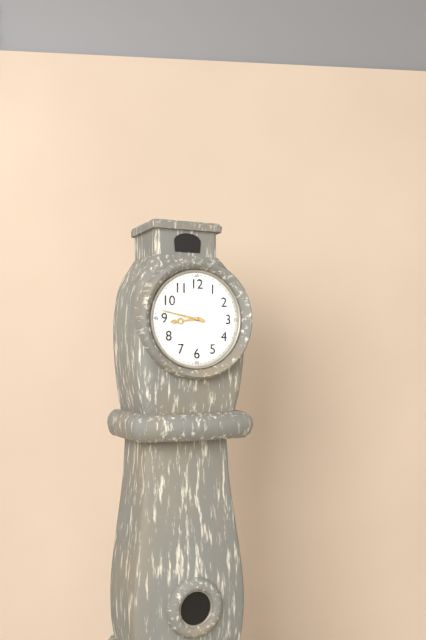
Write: 8:47
